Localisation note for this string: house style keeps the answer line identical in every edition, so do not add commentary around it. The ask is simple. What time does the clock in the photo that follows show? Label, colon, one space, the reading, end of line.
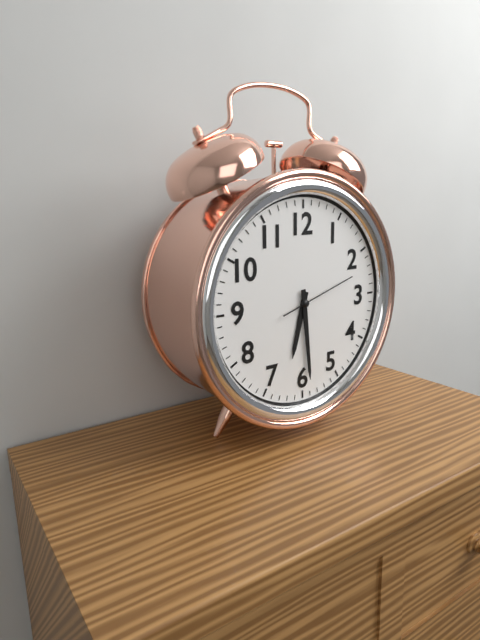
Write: 6:29:12
